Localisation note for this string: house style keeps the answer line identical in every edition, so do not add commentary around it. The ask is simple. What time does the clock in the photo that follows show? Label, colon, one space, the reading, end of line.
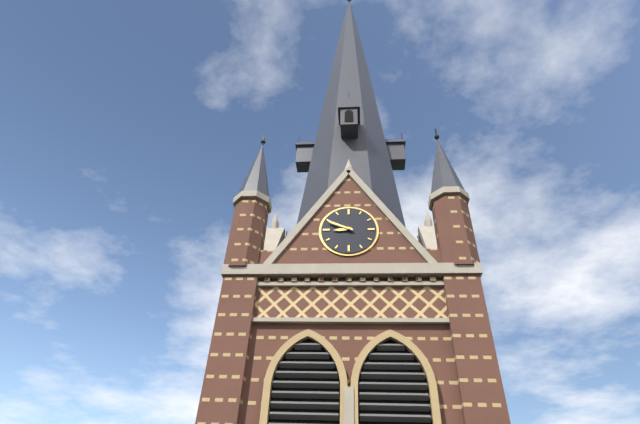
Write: 8:49
